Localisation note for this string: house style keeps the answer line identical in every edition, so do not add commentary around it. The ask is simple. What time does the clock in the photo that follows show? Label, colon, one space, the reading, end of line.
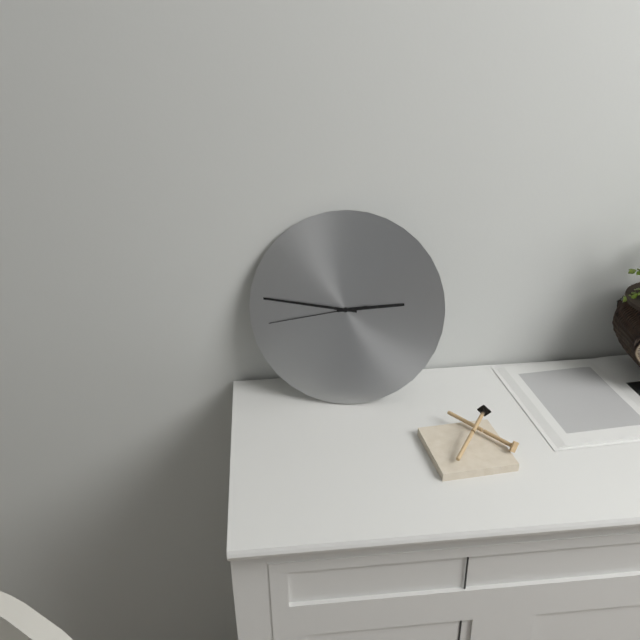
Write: 2:46:43
